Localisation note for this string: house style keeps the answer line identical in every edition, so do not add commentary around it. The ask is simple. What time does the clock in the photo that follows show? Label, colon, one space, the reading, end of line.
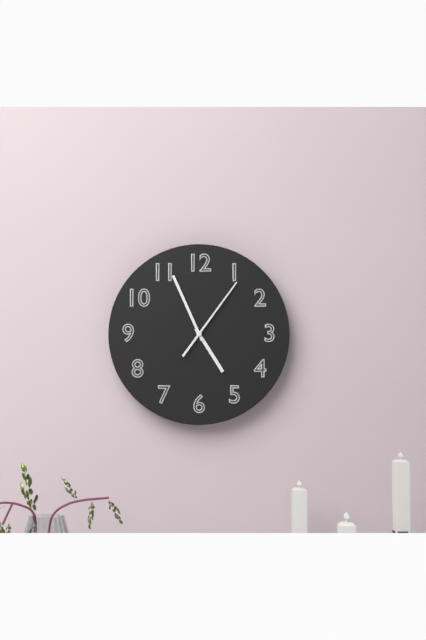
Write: 4:56:06
